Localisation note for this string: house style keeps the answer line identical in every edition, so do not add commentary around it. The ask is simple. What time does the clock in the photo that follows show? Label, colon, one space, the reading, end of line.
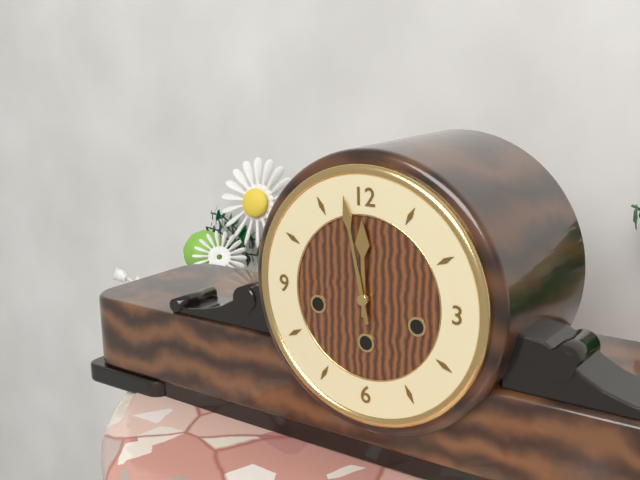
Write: 11:58
